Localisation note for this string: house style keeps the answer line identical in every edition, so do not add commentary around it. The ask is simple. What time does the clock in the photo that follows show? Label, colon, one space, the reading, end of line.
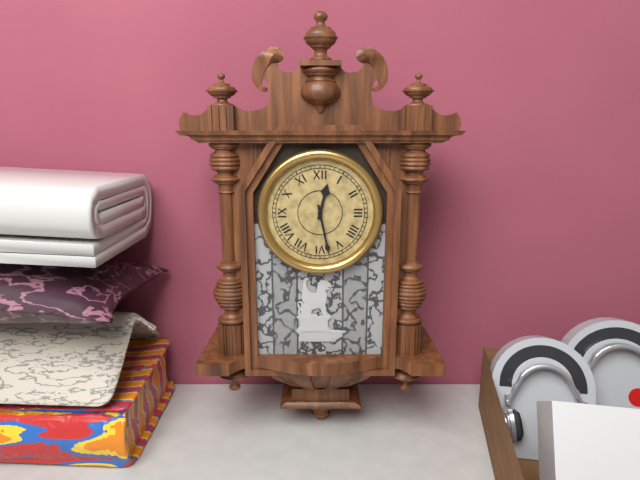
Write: 12:28
